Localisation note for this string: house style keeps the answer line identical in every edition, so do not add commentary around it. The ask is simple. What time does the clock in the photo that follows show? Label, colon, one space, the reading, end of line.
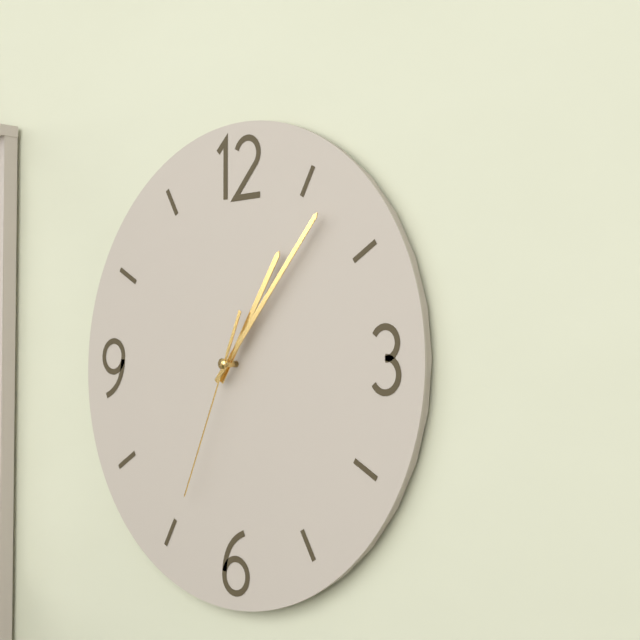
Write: 1:07:34
